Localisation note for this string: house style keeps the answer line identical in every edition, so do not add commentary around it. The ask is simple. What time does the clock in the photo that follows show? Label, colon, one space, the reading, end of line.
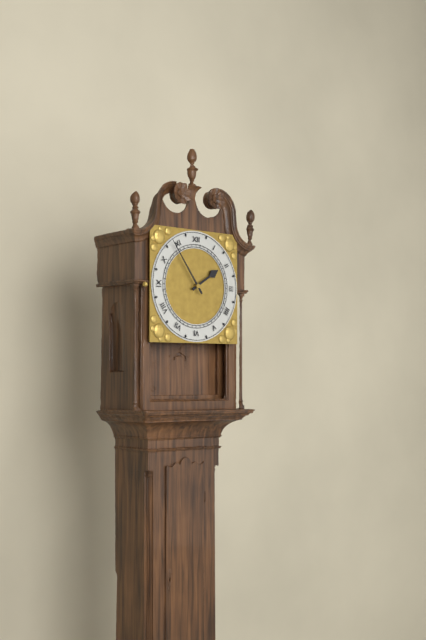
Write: 1:54
